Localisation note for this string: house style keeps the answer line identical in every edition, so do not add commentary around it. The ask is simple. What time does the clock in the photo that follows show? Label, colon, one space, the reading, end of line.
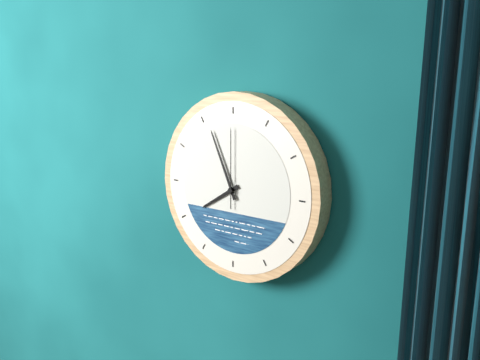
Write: 7:56:00
